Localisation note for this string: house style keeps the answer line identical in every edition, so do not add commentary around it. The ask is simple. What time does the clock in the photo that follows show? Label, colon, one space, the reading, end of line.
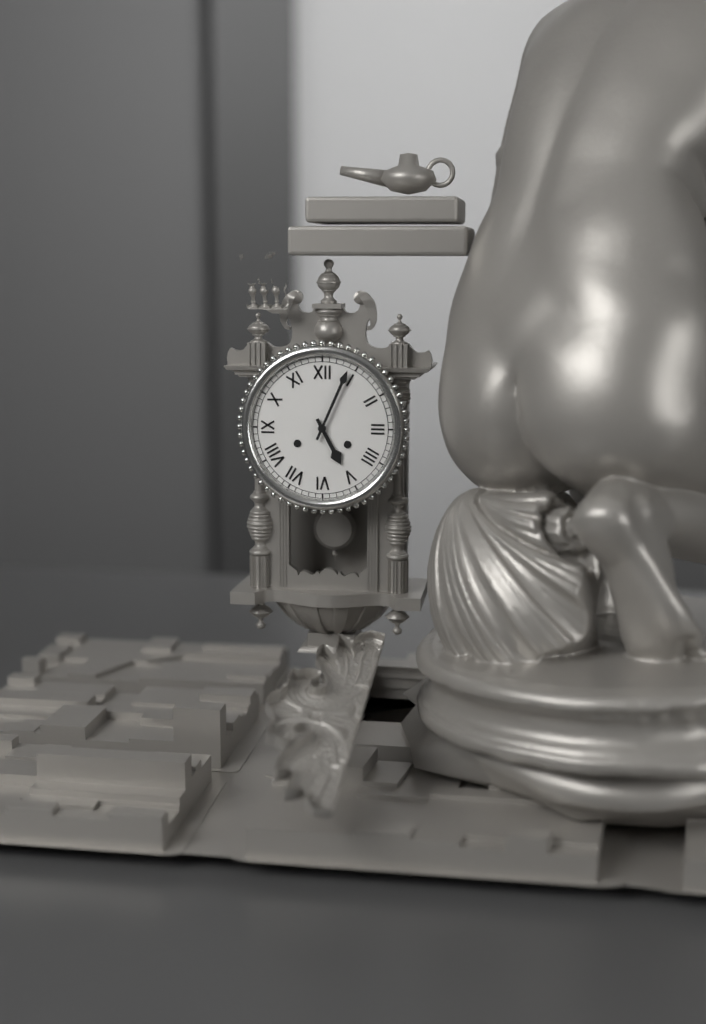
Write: 5:04
